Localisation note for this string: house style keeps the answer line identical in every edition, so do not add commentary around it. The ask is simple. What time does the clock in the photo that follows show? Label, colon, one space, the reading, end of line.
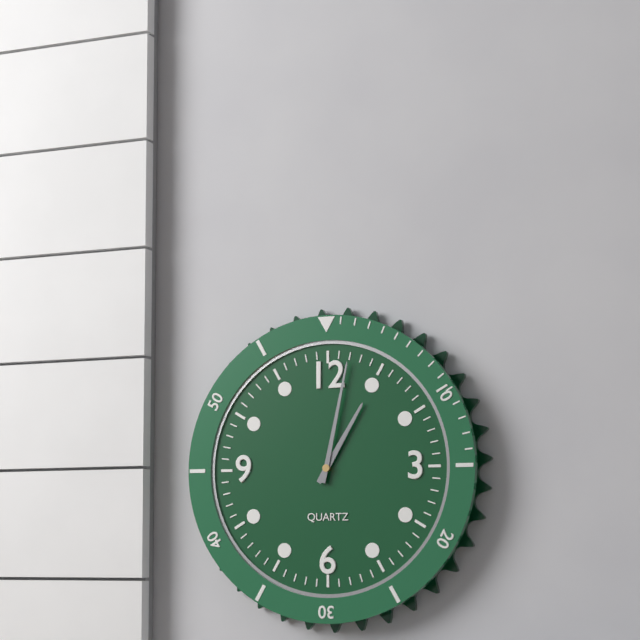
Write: 1:02
